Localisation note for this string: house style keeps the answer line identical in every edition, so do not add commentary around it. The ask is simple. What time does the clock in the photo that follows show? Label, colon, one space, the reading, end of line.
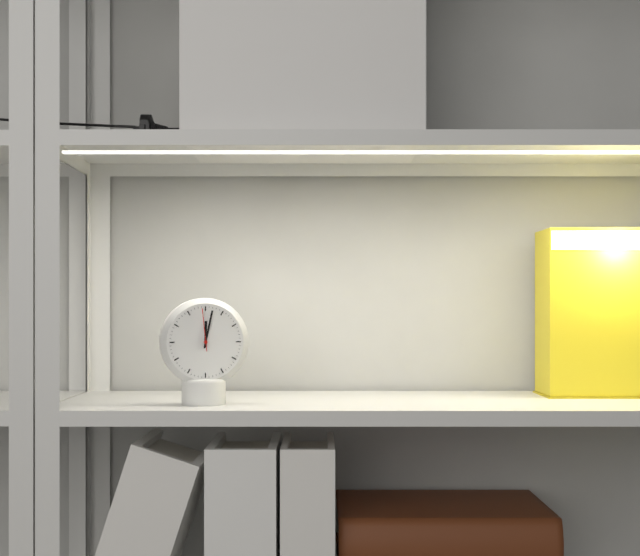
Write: 12:02
